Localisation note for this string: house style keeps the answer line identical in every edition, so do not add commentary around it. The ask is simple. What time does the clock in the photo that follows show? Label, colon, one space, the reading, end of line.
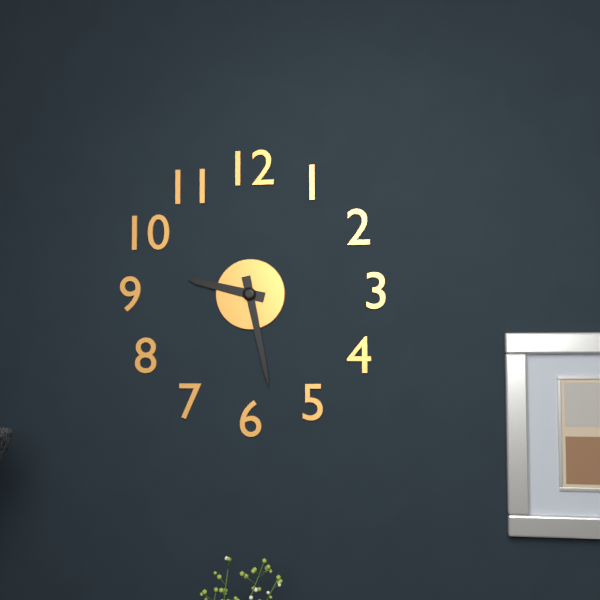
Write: 9:28
